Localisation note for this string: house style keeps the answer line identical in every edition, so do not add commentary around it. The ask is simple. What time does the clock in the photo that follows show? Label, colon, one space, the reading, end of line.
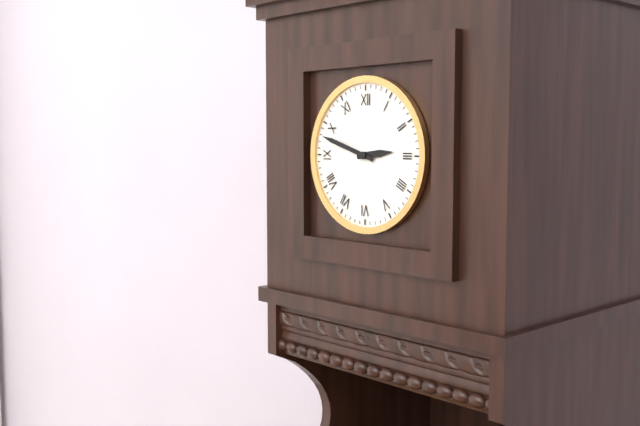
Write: 2:48
